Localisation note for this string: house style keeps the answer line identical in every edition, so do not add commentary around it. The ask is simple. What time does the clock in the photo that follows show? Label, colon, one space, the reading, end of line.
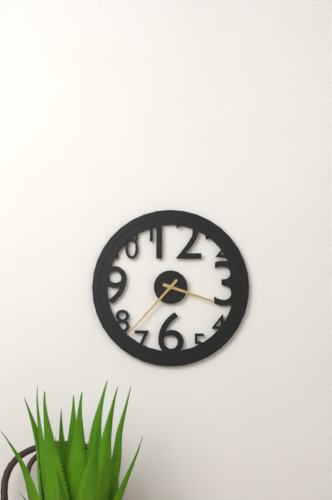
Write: 3:37
